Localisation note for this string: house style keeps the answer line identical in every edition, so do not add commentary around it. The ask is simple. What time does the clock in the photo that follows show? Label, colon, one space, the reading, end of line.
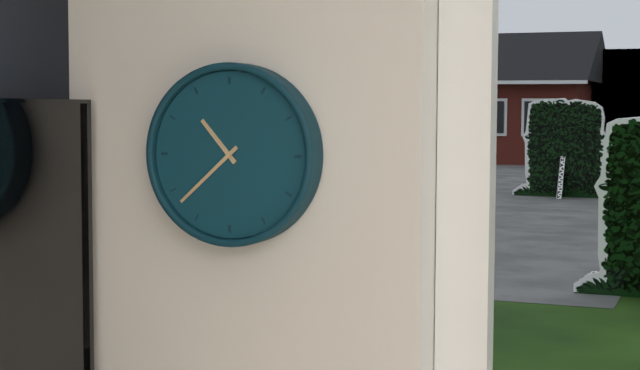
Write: 10:38
